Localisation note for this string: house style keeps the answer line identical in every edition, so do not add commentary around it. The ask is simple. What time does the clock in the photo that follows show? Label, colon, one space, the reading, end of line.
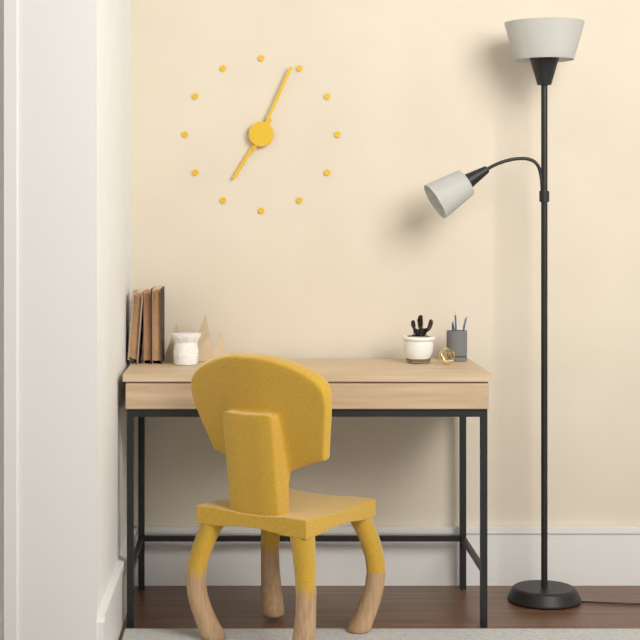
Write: 7:04
